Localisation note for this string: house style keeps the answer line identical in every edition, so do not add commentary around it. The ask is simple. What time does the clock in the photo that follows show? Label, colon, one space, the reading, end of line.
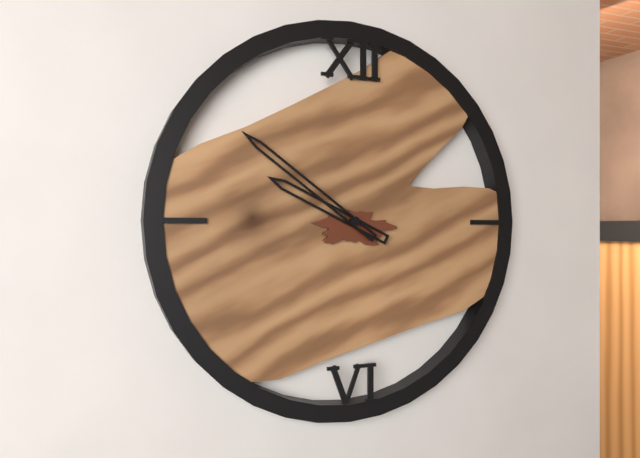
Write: 9:51
